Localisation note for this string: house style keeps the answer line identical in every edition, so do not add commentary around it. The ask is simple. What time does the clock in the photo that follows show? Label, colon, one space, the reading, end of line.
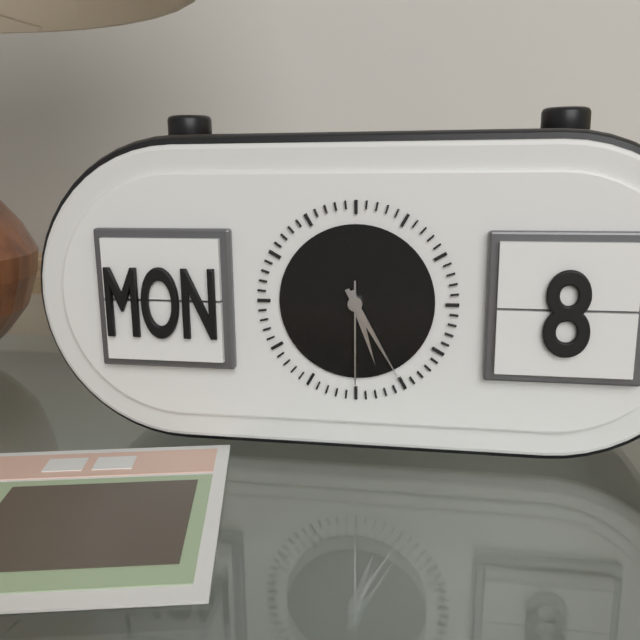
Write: 5:25:30
